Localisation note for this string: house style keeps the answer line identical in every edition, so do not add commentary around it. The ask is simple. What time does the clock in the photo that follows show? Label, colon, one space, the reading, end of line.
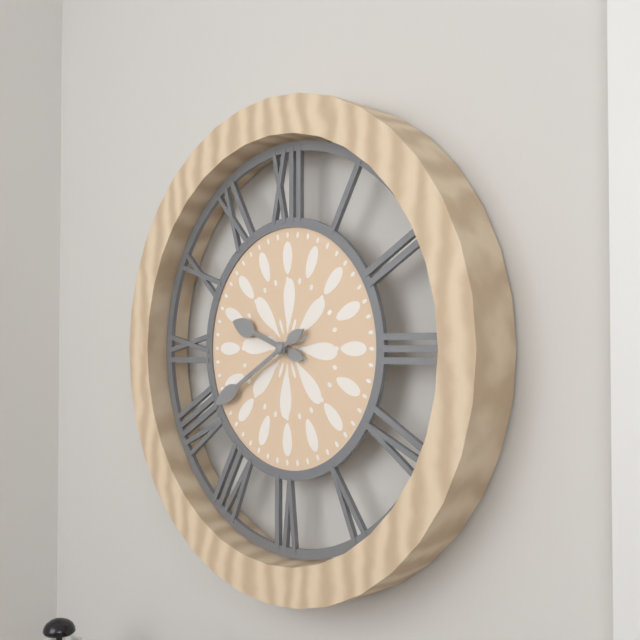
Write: 9:40
